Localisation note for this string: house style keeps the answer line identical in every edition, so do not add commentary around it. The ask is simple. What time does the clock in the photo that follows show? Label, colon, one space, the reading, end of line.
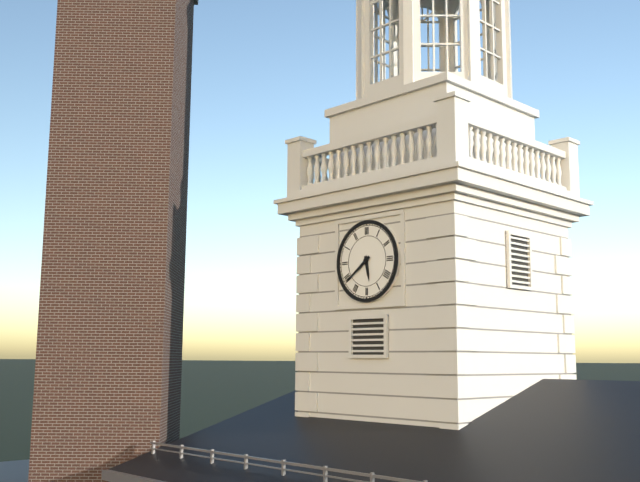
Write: 5:39
